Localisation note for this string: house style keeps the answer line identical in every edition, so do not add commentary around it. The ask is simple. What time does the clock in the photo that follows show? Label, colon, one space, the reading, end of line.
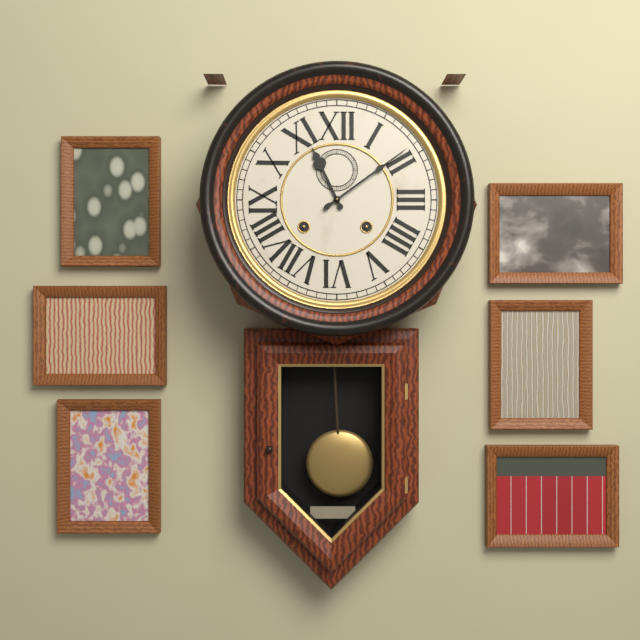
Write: 11:09
